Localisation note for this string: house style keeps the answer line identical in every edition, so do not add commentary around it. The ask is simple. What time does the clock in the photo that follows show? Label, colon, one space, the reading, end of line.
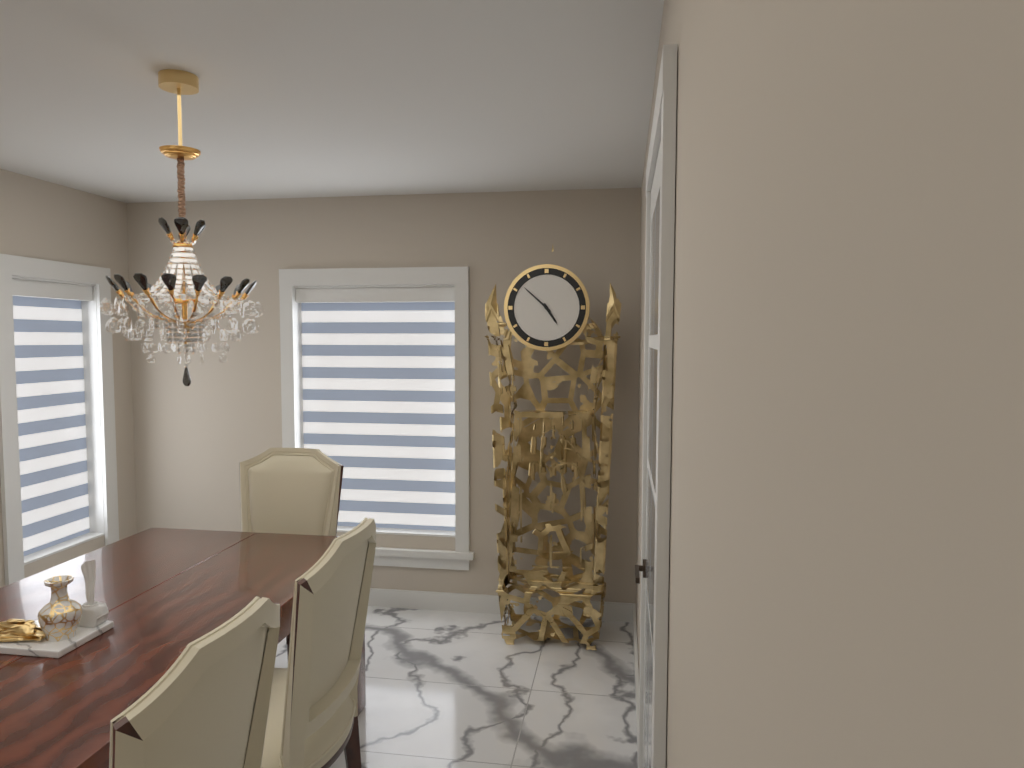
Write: 4:52
